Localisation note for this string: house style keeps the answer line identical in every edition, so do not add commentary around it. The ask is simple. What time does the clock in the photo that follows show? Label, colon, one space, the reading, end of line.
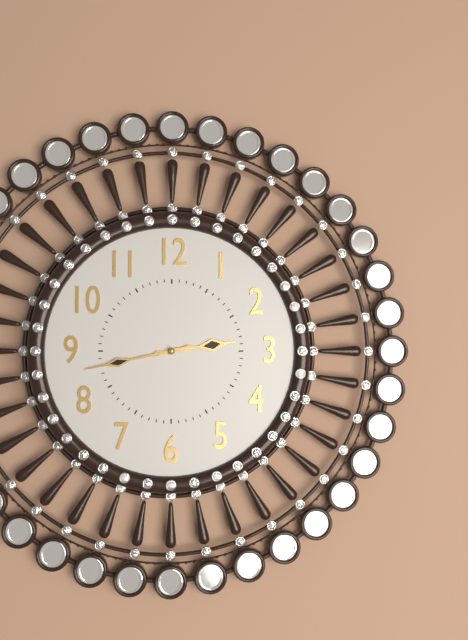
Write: 2:43
